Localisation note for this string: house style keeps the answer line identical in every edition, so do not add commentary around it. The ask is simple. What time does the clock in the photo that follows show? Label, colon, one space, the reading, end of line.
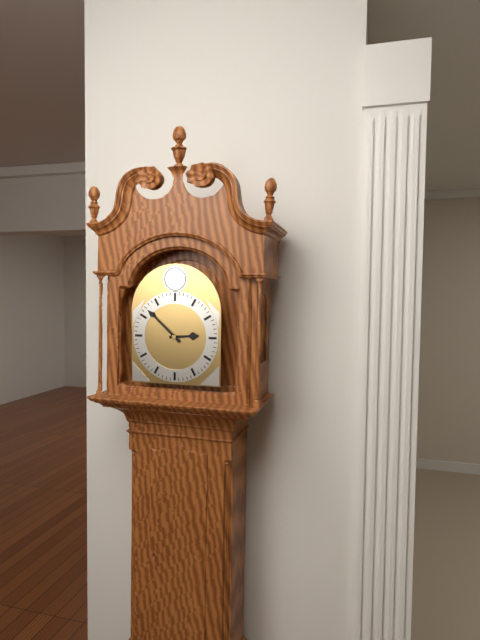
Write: 2:52
